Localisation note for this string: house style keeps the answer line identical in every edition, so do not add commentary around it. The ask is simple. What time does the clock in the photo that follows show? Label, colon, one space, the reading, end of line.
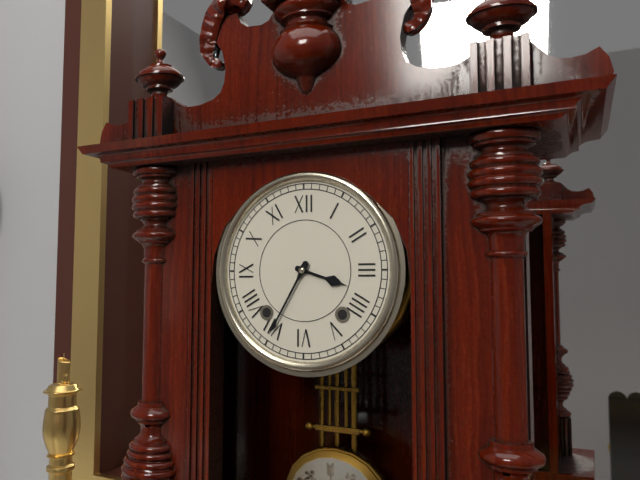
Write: 3:35
